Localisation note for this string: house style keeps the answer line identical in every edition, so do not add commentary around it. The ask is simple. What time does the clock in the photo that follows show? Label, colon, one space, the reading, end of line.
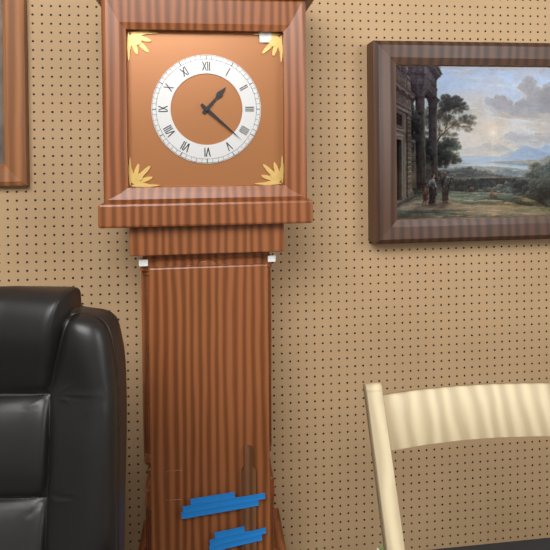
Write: 1:22
